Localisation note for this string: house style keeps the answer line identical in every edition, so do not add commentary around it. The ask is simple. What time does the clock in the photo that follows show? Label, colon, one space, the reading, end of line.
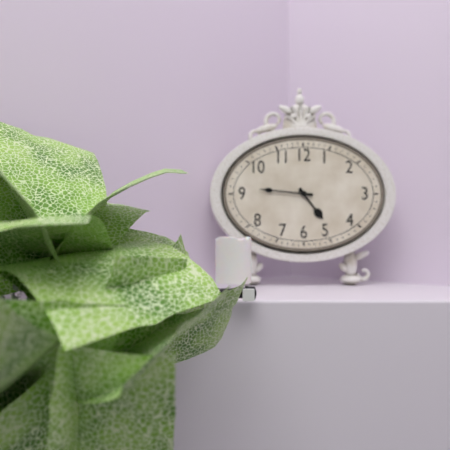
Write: 4:46
